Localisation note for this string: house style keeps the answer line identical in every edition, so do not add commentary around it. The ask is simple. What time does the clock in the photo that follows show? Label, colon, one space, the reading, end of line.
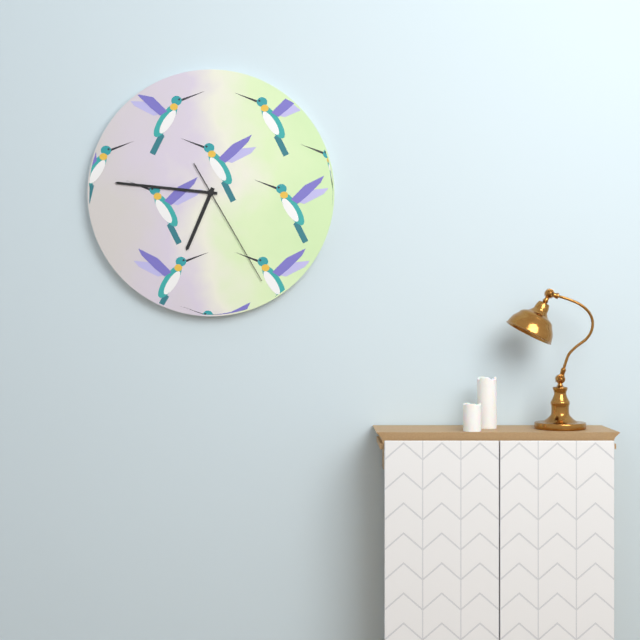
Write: 6:46:25
